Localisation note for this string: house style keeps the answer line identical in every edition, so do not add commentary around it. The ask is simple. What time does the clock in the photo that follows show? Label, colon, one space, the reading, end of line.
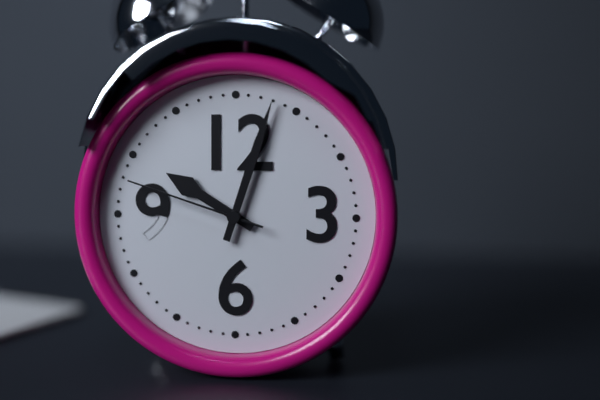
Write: 10:03:48
